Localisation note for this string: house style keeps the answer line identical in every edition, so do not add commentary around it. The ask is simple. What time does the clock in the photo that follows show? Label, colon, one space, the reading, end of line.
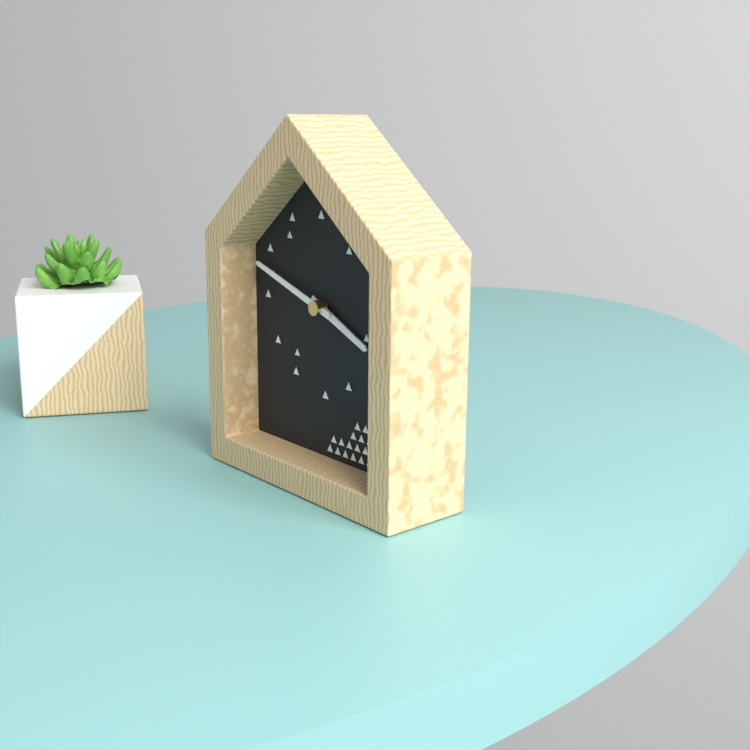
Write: 3:48
